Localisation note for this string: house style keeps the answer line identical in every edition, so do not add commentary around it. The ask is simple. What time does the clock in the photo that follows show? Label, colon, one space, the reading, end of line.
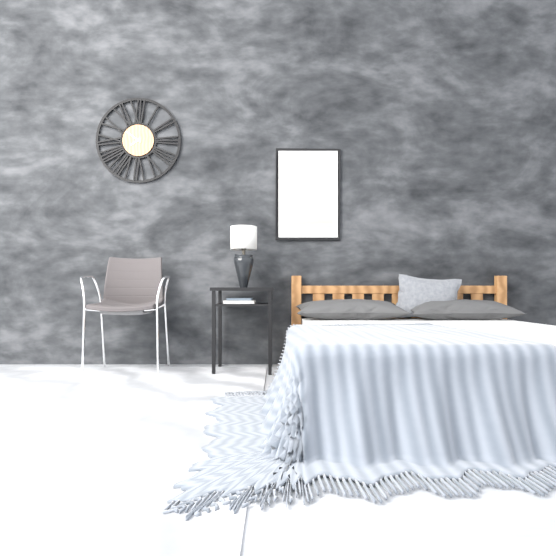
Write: 7:51
